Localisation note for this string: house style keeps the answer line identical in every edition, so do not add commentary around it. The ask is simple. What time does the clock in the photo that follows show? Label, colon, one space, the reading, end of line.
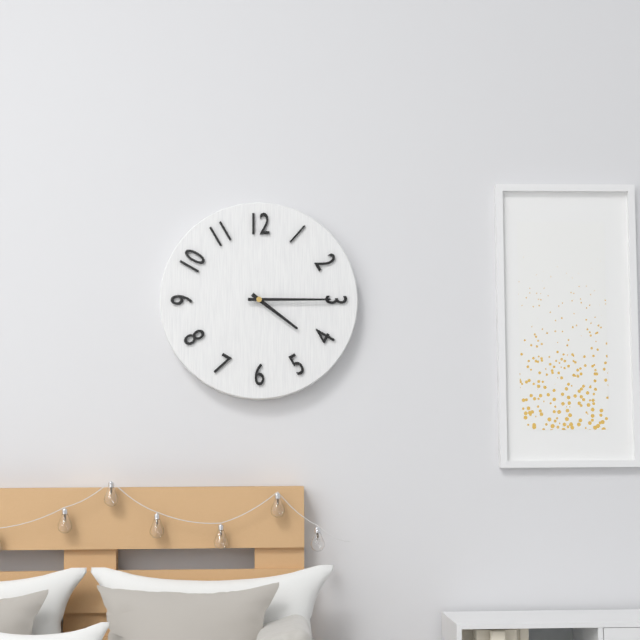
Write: 4:15
